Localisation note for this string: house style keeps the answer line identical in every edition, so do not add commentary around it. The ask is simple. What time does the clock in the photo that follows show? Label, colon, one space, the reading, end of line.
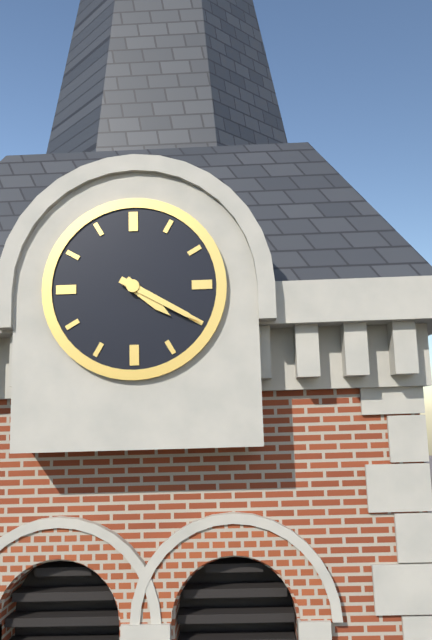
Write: 4:20
